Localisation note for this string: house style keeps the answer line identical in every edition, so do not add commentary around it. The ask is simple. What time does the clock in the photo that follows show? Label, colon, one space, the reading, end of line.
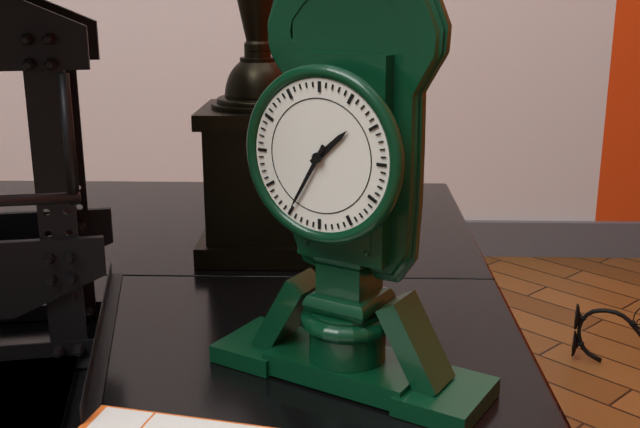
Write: 1:35
